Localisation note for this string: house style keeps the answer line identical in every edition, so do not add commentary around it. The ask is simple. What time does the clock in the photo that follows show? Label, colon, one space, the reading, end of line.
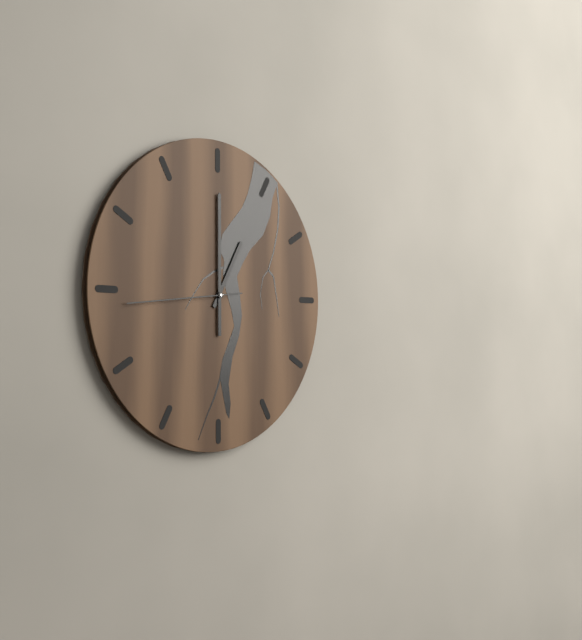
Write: 1:00:44
